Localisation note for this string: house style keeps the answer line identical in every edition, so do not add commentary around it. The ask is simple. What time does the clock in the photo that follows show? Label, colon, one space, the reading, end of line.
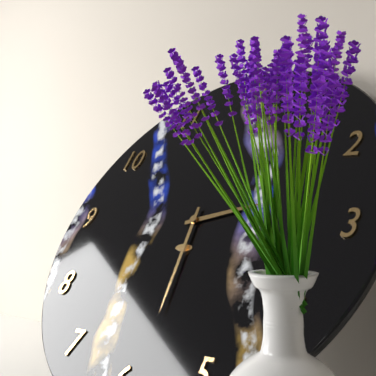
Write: 2:29
